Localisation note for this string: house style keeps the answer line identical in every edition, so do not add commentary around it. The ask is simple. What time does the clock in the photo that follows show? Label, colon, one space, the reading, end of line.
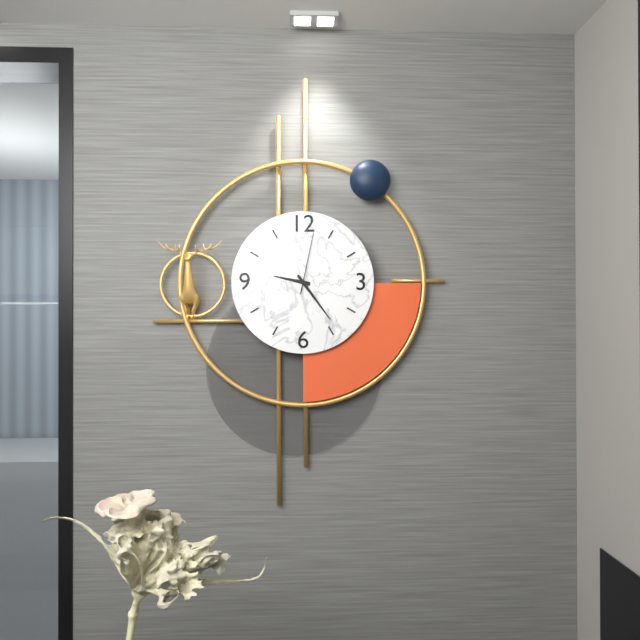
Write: 9:24:02
